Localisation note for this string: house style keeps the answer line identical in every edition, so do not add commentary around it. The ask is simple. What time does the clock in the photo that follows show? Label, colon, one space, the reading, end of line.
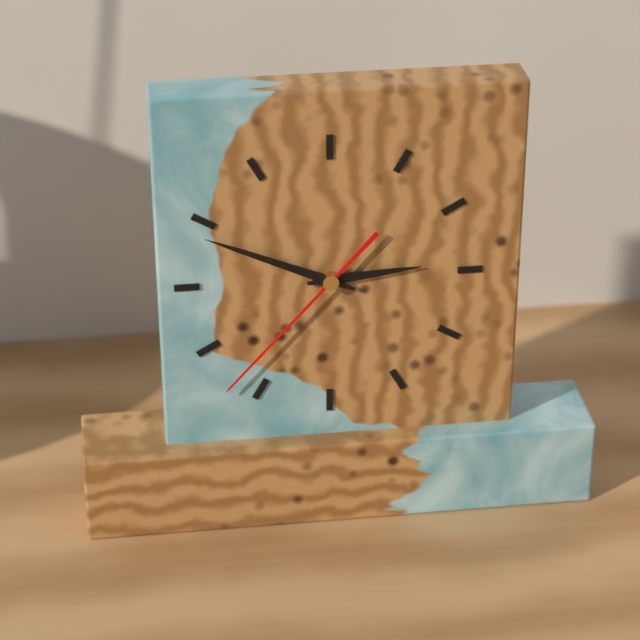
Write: 2:49:37
